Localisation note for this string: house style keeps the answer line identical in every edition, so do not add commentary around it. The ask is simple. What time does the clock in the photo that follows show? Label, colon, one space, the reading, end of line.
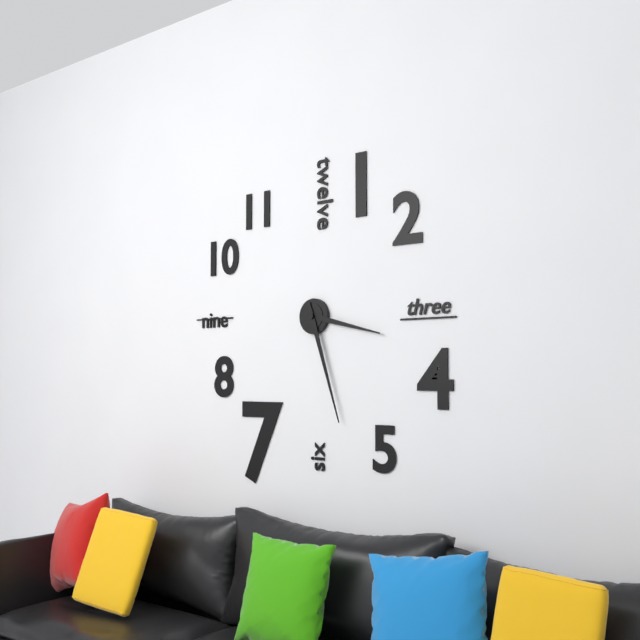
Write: 3:27
